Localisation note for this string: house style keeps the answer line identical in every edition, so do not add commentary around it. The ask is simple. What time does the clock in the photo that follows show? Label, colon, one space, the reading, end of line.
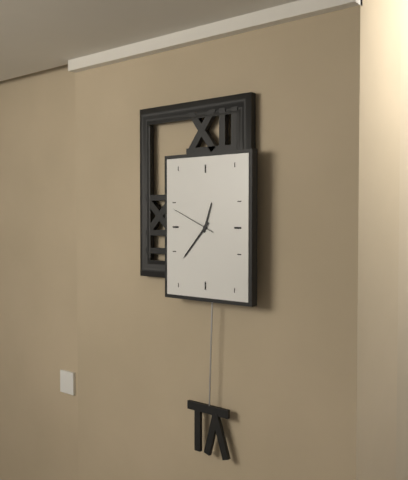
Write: 12:37
